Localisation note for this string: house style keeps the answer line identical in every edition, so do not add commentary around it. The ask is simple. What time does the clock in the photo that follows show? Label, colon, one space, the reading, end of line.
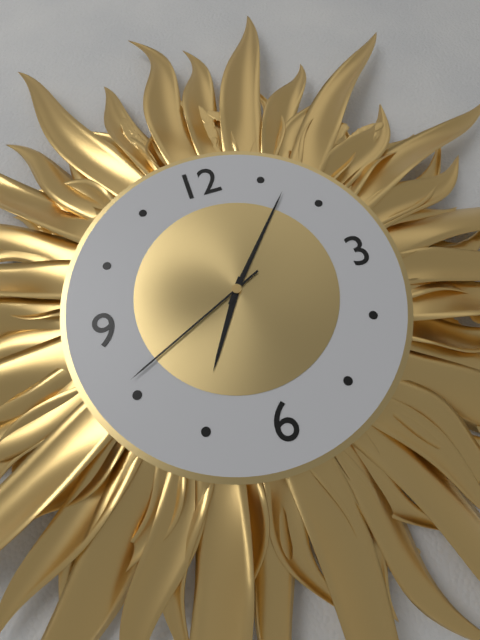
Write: 7:07:41
